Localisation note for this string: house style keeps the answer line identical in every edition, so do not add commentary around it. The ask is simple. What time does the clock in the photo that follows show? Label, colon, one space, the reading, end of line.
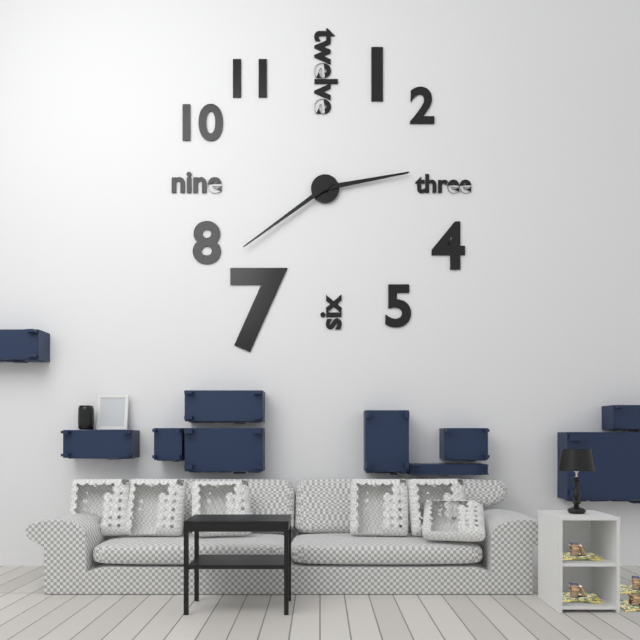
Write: 2:39
